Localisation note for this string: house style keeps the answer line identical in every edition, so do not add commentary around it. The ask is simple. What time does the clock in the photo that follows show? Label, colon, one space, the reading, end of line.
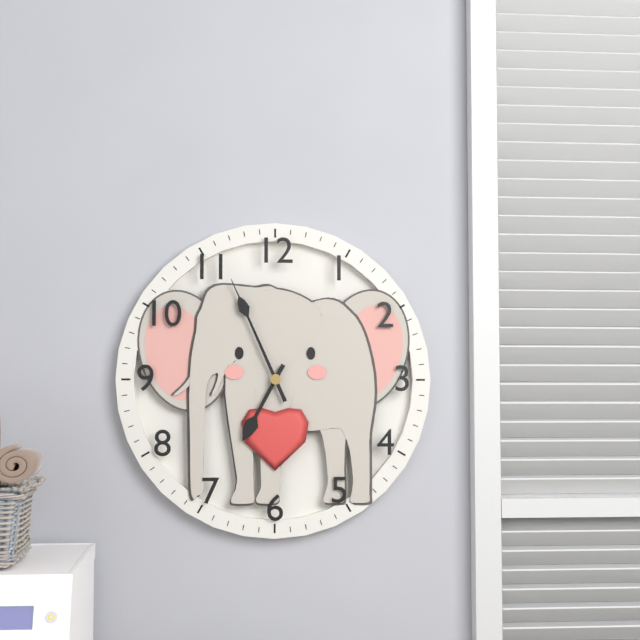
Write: 6:56
